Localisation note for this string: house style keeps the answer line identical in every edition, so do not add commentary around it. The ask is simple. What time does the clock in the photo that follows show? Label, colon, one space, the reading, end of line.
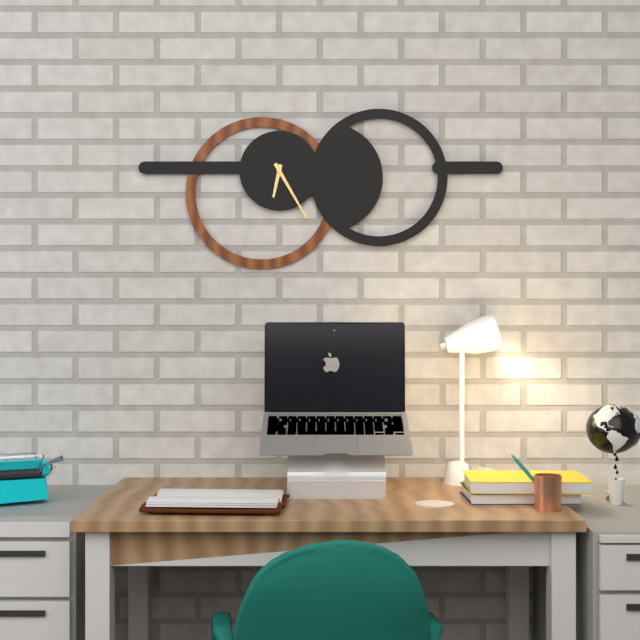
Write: 6:25
